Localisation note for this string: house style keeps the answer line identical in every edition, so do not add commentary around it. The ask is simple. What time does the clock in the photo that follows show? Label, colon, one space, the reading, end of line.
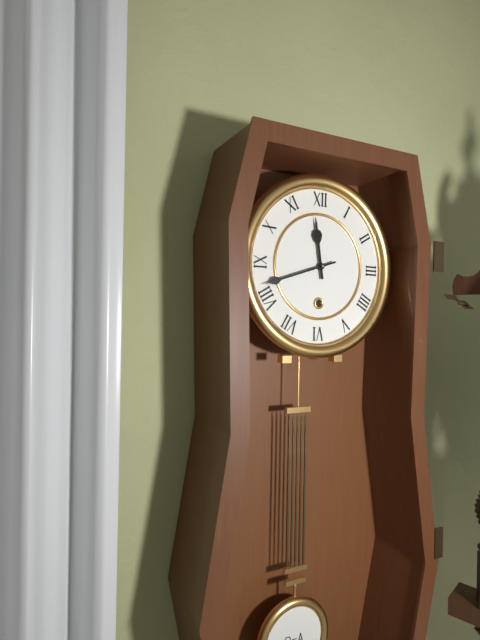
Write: 11:42
